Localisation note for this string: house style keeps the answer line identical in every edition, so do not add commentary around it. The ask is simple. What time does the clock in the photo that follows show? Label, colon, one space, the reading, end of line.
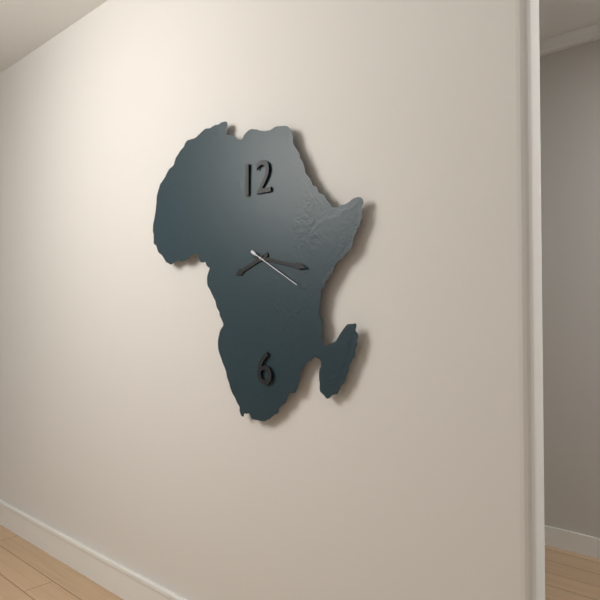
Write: 8:17
